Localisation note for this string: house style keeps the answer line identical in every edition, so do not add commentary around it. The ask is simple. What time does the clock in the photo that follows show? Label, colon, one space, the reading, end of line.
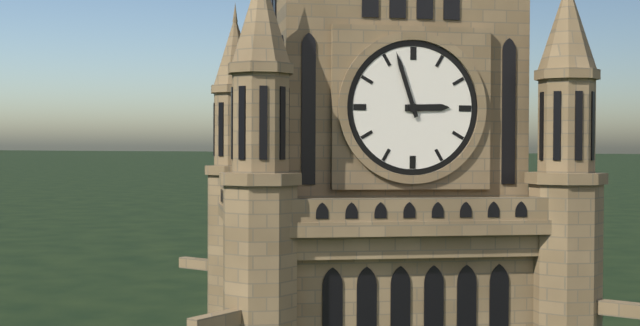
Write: 2:57
